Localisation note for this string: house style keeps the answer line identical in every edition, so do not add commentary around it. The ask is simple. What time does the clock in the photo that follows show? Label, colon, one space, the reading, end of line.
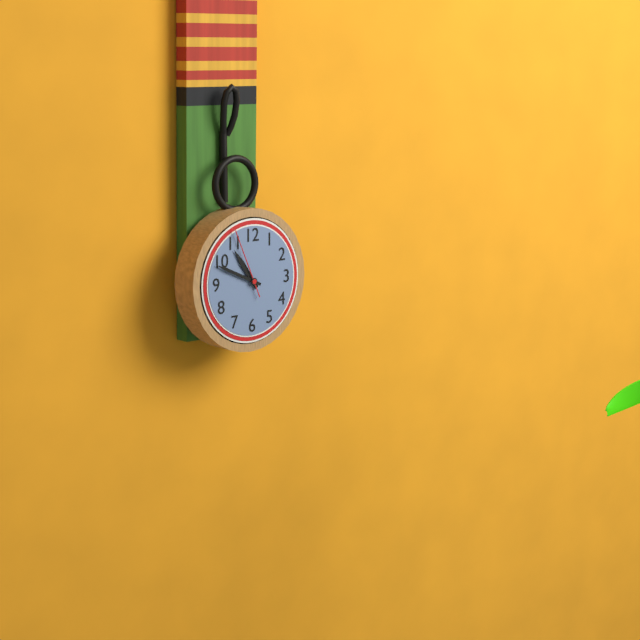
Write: 10:49:56
